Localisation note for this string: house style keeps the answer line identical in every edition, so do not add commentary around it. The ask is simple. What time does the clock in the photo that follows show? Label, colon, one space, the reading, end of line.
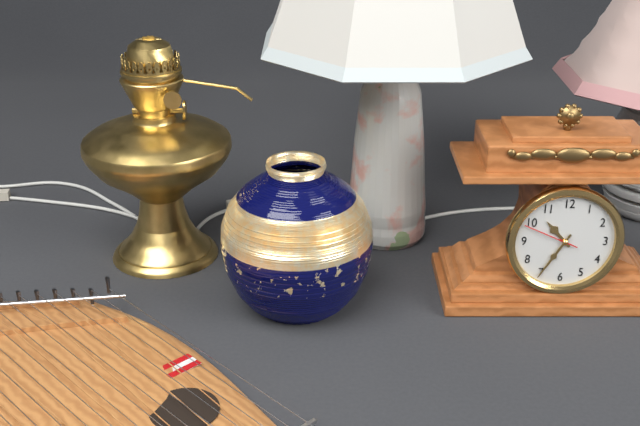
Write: 10:35:49
